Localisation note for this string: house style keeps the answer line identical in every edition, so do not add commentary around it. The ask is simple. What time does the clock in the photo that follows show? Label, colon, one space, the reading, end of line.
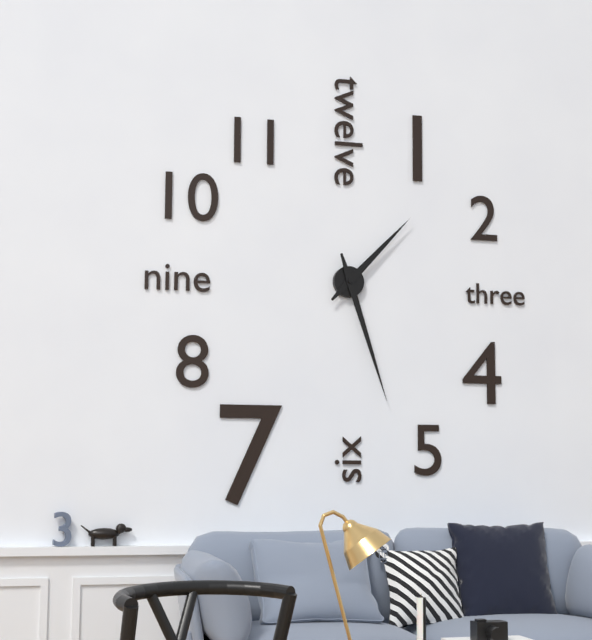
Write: 1:27
